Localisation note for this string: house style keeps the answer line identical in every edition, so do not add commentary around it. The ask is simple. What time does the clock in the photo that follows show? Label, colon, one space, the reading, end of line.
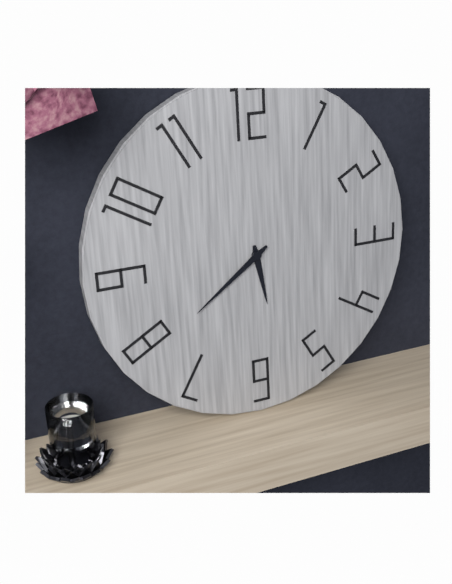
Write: 5:39
